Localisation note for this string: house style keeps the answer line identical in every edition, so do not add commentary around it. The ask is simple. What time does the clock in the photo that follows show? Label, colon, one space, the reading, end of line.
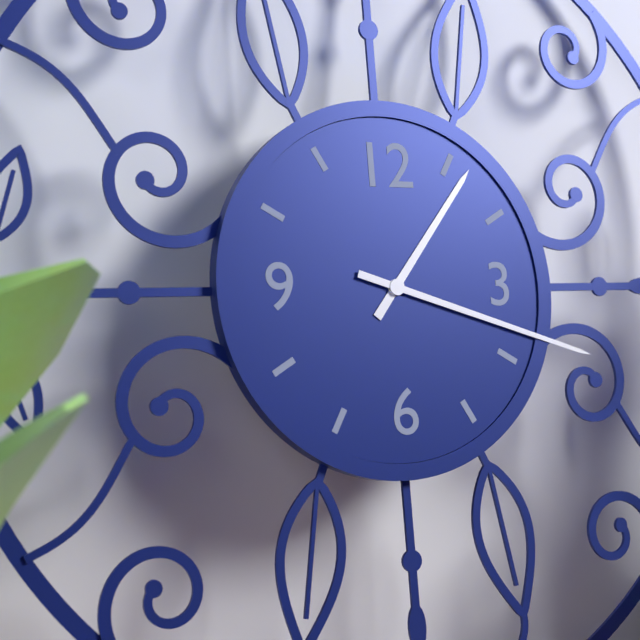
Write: 1:18
